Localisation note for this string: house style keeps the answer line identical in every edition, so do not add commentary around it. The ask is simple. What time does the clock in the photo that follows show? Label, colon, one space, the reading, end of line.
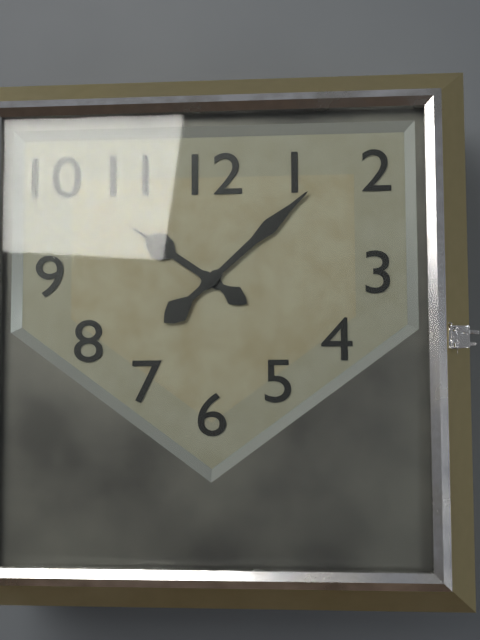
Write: 10:08
